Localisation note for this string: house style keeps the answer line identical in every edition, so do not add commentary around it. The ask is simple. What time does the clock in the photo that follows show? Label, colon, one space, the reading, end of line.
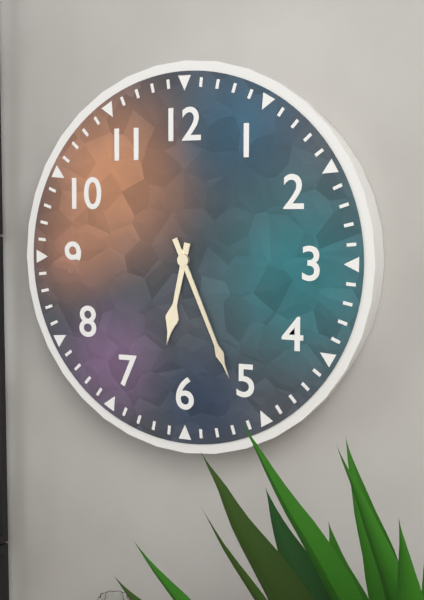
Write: 6:26
